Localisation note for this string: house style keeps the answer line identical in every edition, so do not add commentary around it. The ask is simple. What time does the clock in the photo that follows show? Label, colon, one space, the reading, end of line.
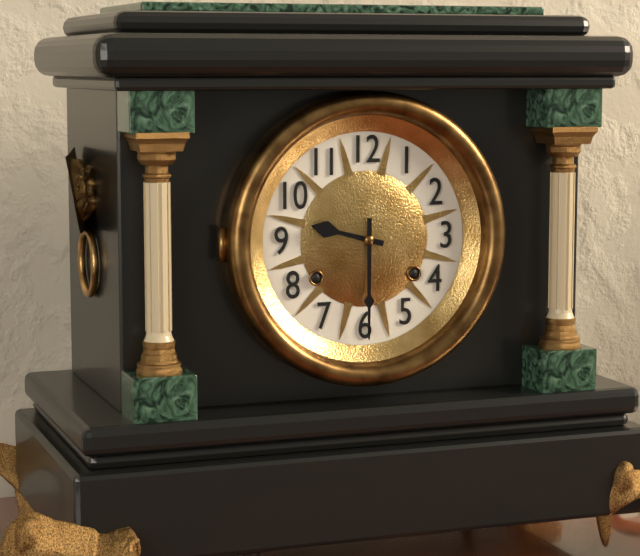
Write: 9:30
